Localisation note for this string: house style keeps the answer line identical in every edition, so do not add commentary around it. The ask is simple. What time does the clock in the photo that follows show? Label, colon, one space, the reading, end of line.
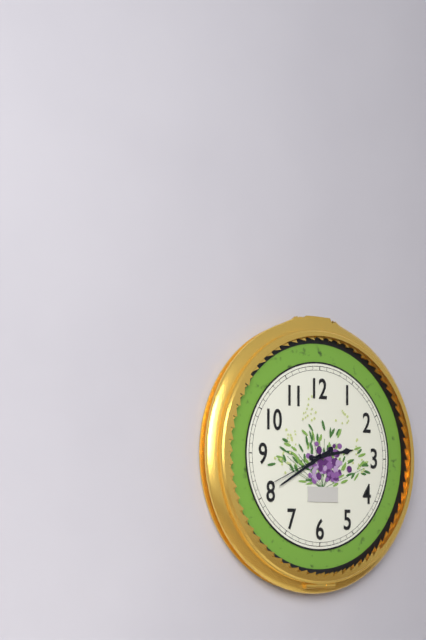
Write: 2:40:41
